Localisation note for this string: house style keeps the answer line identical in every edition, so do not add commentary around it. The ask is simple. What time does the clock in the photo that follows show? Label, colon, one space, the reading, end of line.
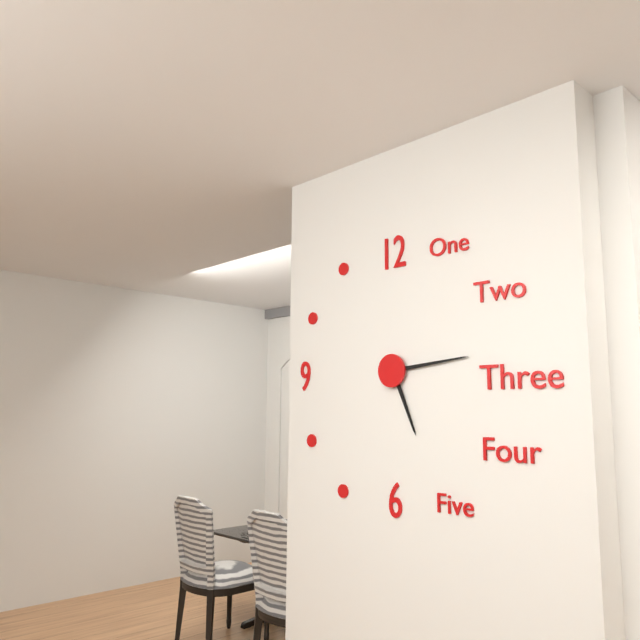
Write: 5:14
